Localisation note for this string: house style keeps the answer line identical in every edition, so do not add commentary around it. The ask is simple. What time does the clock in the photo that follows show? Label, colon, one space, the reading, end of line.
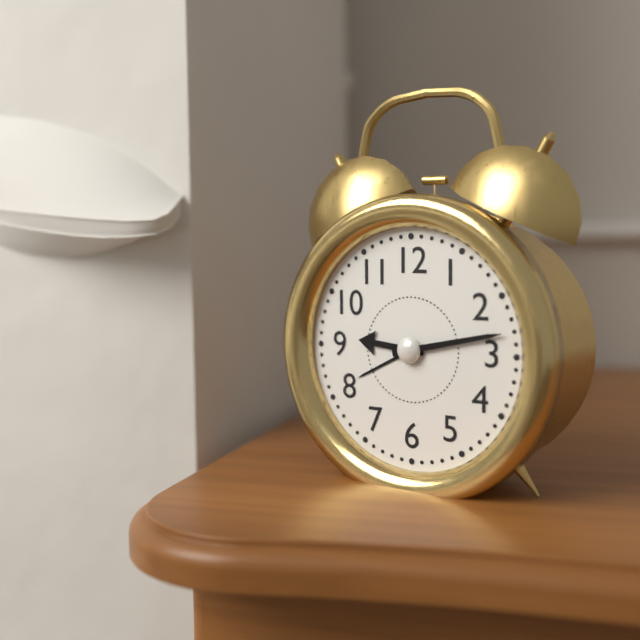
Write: 9:13
